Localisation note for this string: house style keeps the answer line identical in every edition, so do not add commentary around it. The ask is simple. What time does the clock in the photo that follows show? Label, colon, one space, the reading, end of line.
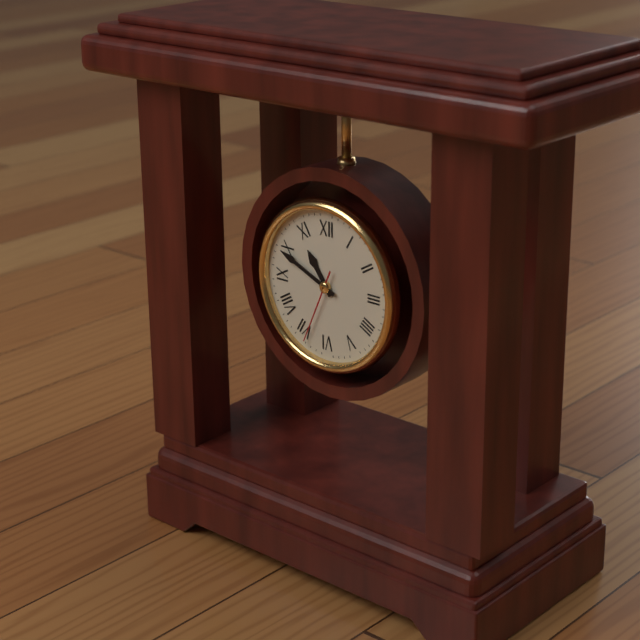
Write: 10:49:34
